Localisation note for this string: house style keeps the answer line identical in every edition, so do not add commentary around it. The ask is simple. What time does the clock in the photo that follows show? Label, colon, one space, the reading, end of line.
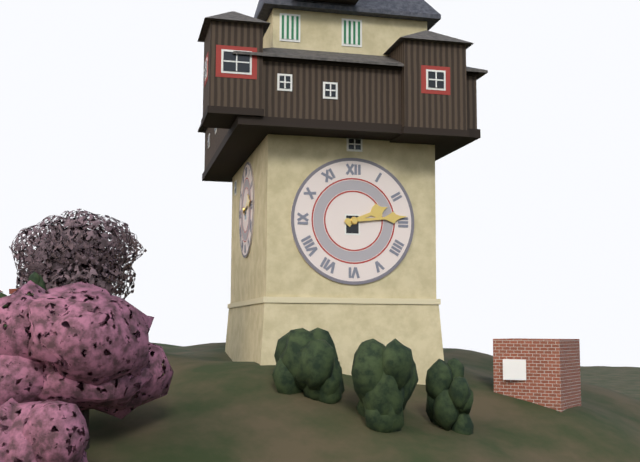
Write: 2:14
